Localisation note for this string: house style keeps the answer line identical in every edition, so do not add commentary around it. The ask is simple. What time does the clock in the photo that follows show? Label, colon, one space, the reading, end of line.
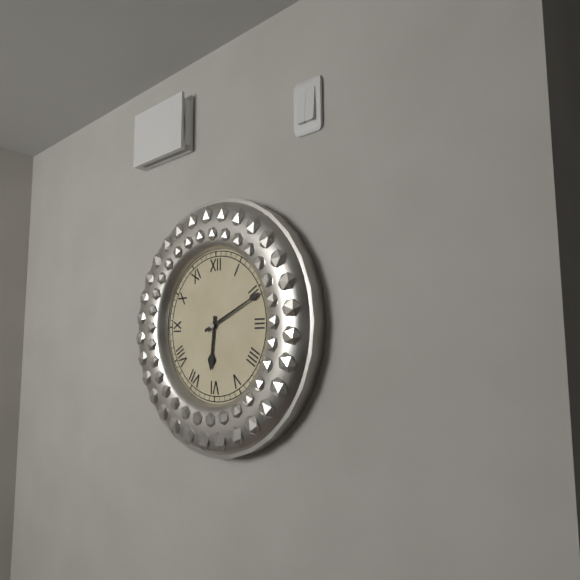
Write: 6:11
